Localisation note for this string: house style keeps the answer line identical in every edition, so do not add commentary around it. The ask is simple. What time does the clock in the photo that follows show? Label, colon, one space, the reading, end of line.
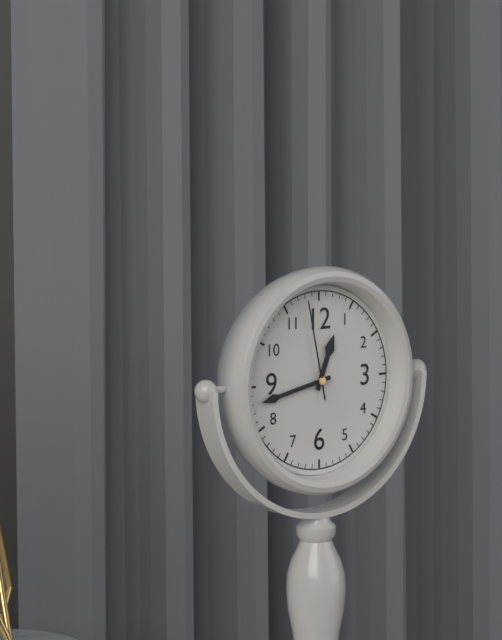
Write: 12:43:58
